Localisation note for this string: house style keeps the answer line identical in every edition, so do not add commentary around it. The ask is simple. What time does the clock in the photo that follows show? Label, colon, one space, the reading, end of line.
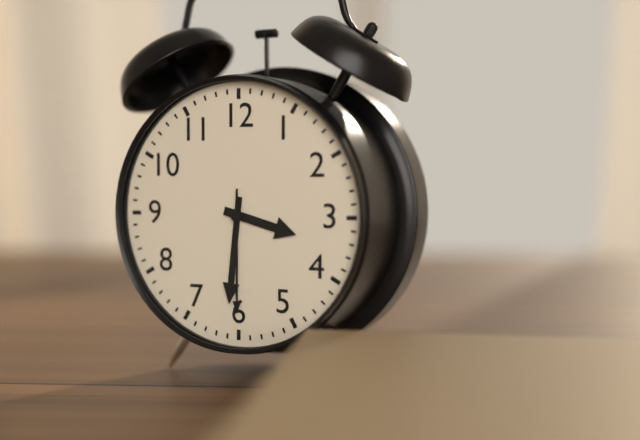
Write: 3:31:30
